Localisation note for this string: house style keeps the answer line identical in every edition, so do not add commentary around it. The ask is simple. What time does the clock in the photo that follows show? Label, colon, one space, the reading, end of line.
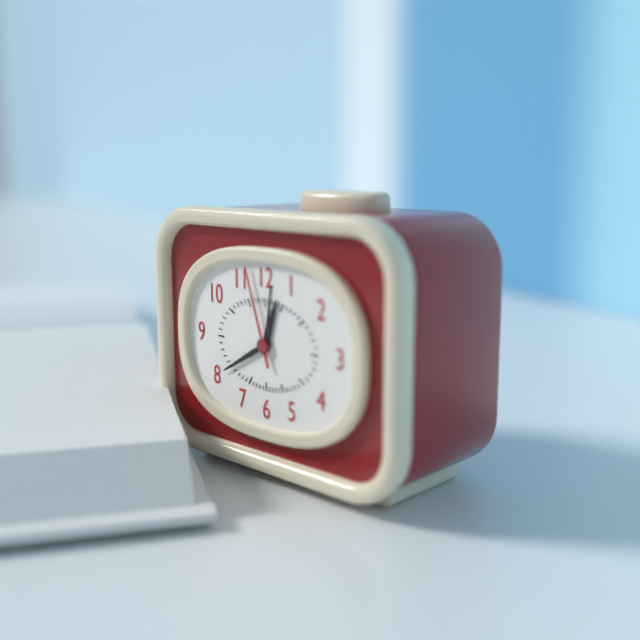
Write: 12:40:57
